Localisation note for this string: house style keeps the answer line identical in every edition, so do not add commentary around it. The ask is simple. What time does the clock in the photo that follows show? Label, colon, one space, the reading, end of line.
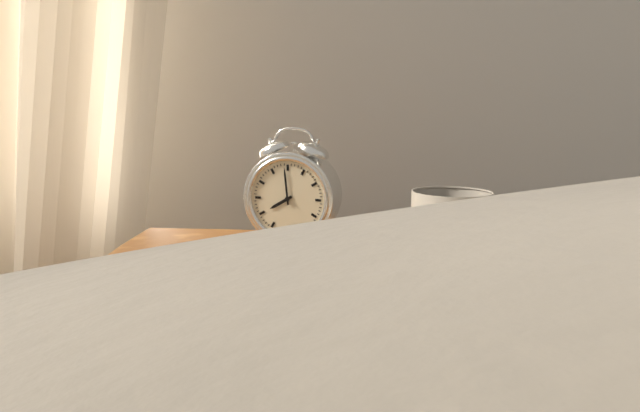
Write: 7:59
